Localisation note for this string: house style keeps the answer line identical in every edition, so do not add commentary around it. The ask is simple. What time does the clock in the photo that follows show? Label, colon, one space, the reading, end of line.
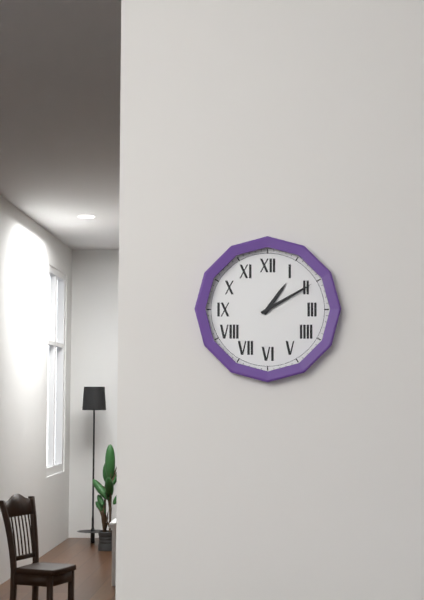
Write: 1:10
